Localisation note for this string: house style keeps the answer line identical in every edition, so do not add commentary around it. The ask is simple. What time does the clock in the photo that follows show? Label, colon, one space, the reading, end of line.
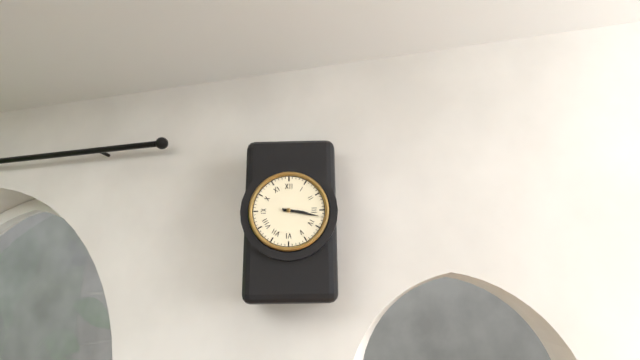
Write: 3:17
